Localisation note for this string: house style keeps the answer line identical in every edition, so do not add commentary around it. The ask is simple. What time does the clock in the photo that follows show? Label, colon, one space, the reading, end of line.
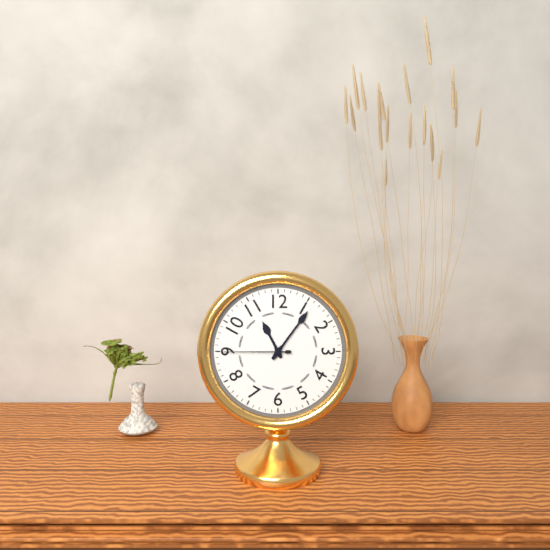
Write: 11:06:45
